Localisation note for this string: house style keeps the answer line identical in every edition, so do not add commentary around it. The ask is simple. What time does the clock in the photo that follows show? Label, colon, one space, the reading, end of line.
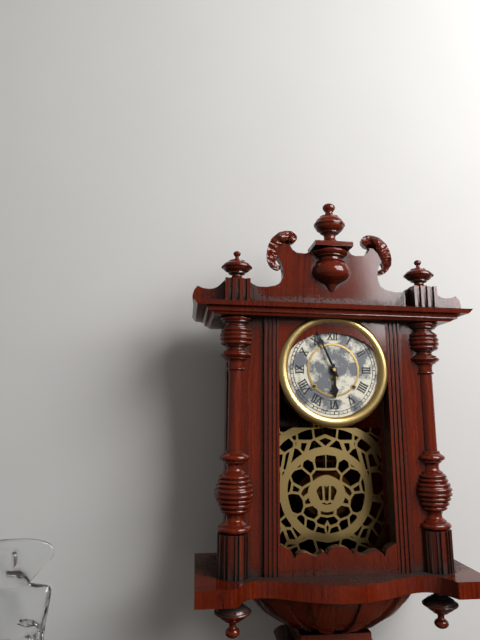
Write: 5:56
